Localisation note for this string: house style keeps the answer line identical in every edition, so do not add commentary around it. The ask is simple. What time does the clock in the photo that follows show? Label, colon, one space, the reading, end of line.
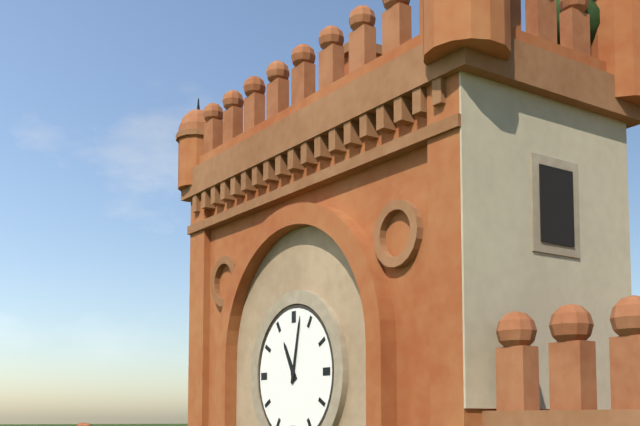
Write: 11:02
